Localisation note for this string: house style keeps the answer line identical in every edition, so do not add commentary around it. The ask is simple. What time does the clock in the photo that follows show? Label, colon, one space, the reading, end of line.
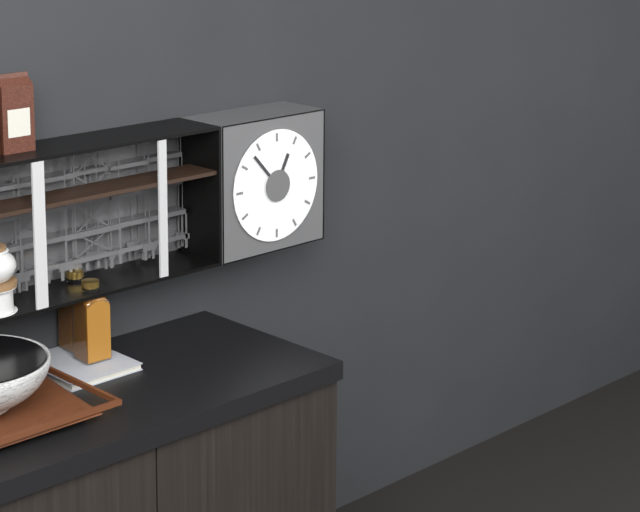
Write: 12:53
